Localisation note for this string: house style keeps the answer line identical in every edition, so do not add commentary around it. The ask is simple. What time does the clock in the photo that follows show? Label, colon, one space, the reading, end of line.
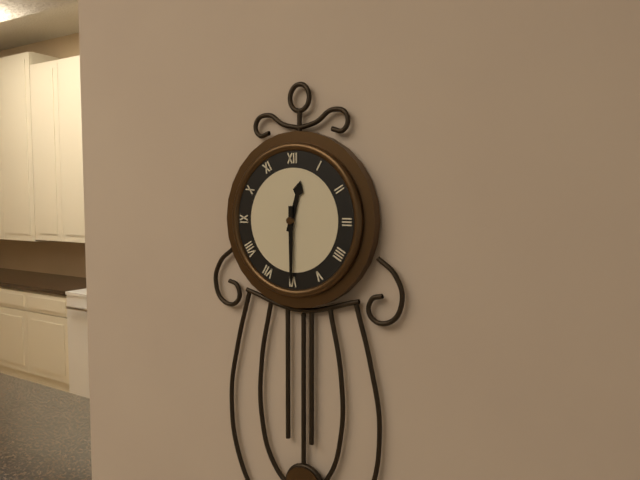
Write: 12:30
